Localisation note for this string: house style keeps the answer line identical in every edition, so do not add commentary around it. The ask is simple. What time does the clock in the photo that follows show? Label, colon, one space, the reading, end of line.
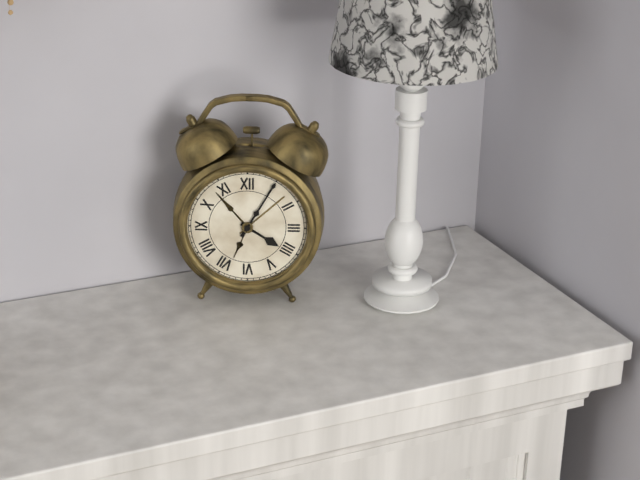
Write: 4:05
